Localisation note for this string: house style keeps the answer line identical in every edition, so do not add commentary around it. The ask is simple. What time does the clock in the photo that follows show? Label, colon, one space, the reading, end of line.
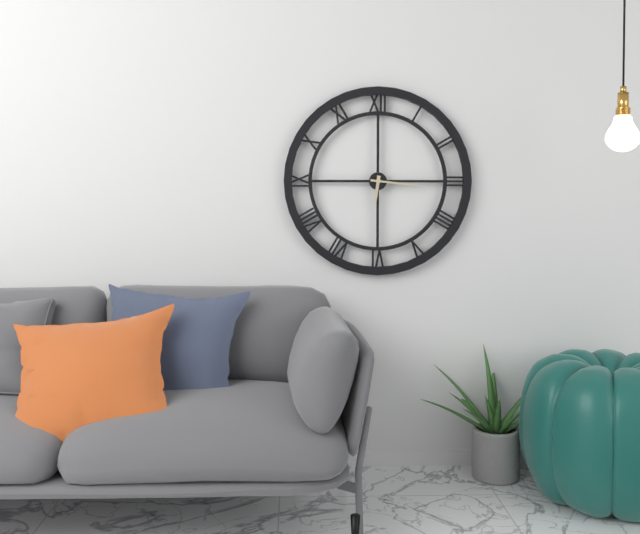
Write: 6:16
